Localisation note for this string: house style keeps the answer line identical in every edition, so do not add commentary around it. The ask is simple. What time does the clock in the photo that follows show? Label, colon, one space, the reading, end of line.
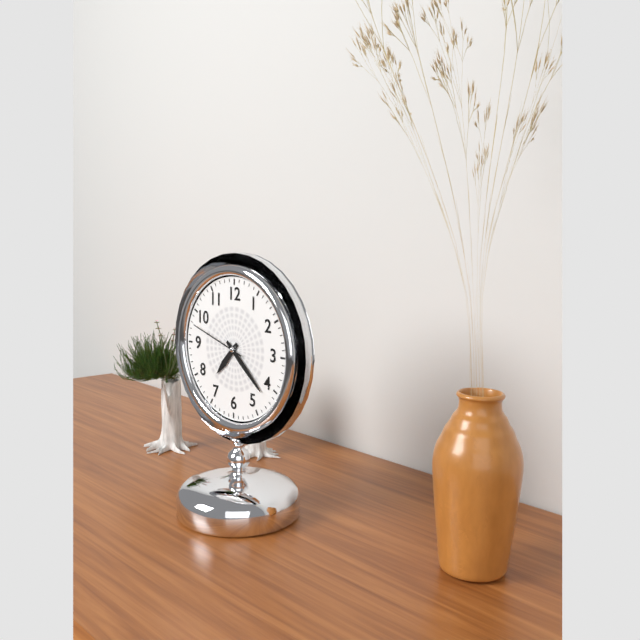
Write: 7:22:48
